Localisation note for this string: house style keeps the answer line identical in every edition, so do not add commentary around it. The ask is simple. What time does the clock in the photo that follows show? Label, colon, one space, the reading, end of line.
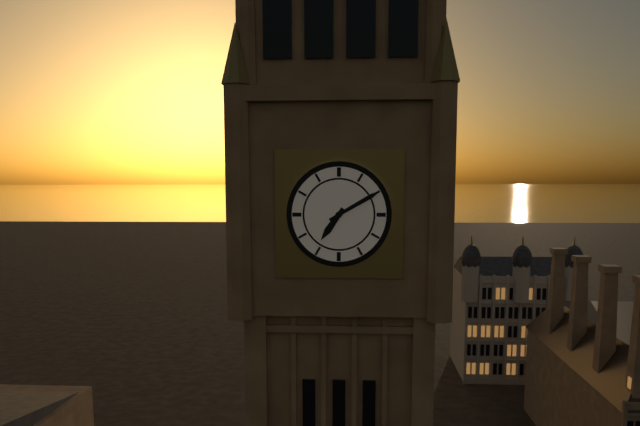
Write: 7:10
